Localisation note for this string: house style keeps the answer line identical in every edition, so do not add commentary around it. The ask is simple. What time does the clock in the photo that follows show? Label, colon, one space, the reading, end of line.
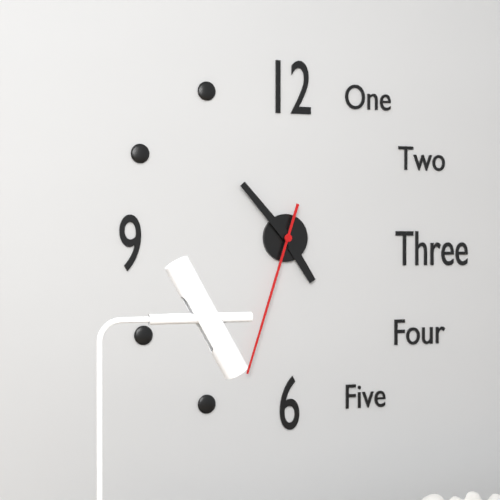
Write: 4:53:33
